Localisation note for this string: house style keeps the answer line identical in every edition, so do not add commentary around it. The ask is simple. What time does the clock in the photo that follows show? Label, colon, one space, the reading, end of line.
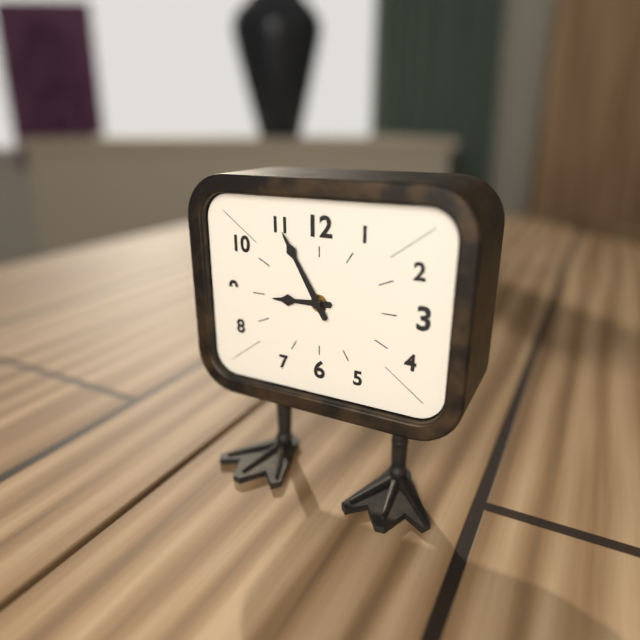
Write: 8:55
